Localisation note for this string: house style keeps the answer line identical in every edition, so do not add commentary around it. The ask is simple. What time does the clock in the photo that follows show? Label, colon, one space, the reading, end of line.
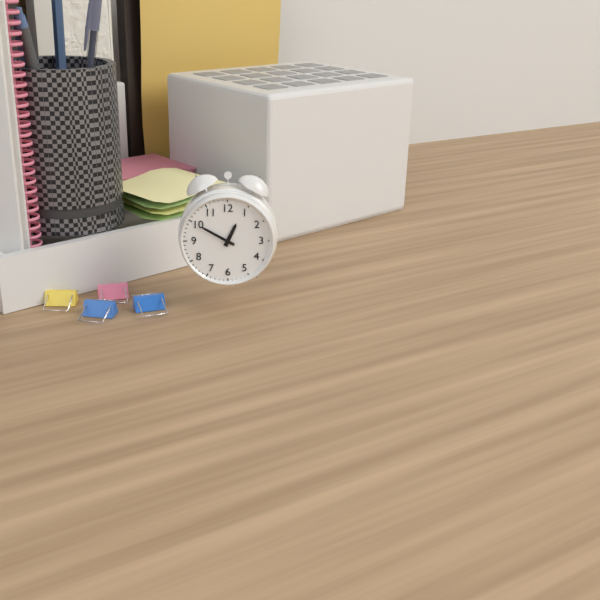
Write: 12:50
